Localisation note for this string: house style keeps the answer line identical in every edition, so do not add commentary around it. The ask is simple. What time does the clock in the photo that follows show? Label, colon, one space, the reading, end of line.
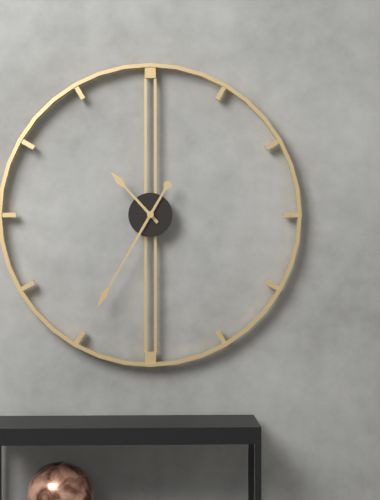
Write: 10:35
